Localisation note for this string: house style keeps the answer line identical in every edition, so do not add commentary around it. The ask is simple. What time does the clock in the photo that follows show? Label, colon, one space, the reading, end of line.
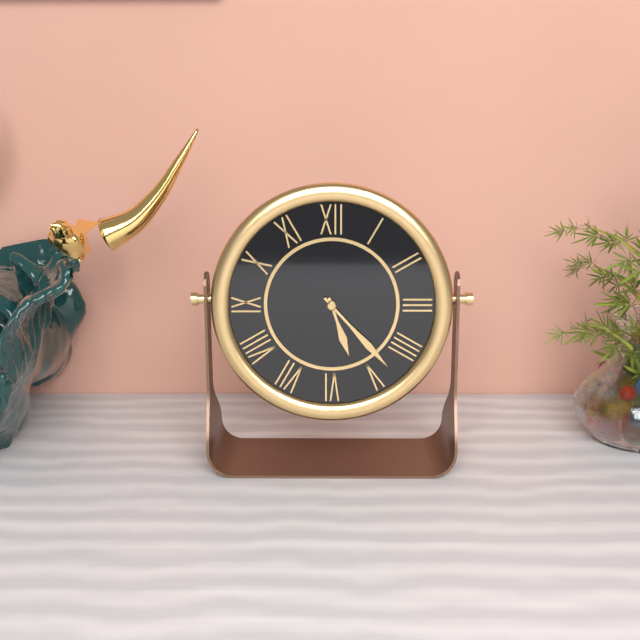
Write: 5:23
